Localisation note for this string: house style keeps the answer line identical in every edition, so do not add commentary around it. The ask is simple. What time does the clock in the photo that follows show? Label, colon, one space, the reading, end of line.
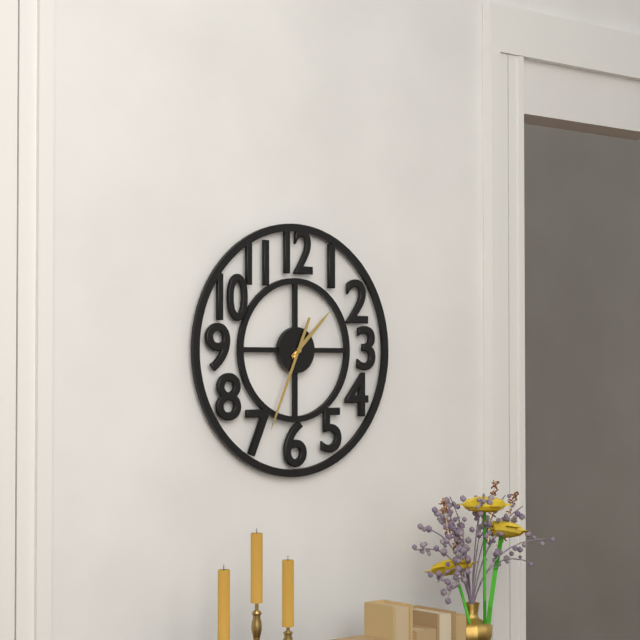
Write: 1:34
